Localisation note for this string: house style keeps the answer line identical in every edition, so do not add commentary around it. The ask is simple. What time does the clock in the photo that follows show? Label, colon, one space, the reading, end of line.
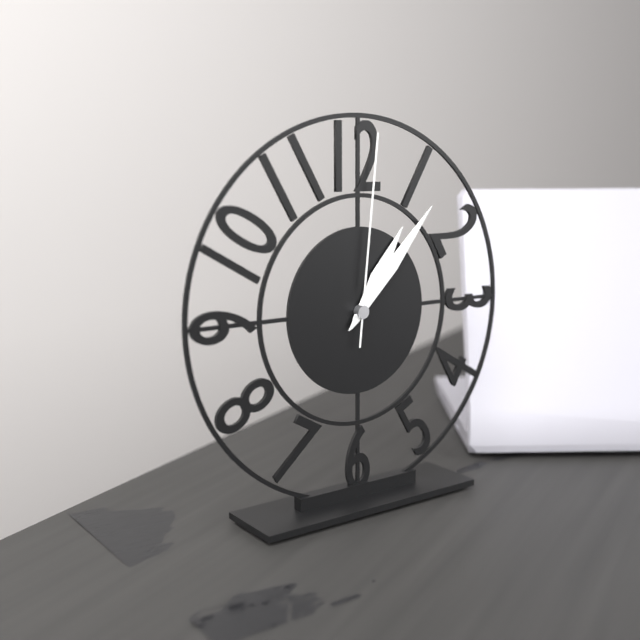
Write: 1:07:01
